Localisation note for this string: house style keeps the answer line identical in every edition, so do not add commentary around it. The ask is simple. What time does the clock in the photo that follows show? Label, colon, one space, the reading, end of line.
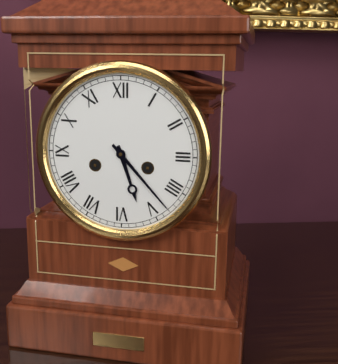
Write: 5:23
